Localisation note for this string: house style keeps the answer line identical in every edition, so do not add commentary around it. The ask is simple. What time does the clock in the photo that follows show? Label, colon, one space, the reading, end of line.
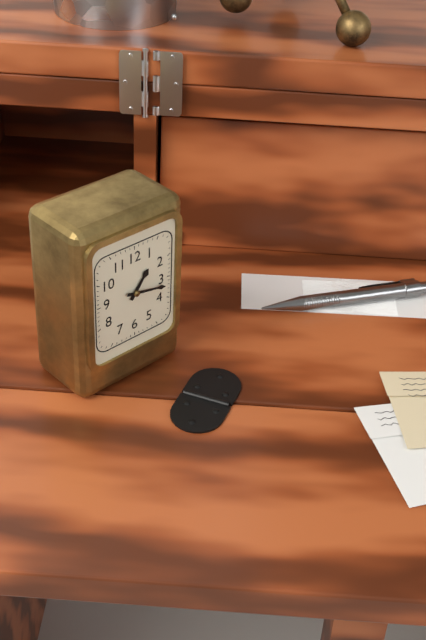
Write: 1:17
